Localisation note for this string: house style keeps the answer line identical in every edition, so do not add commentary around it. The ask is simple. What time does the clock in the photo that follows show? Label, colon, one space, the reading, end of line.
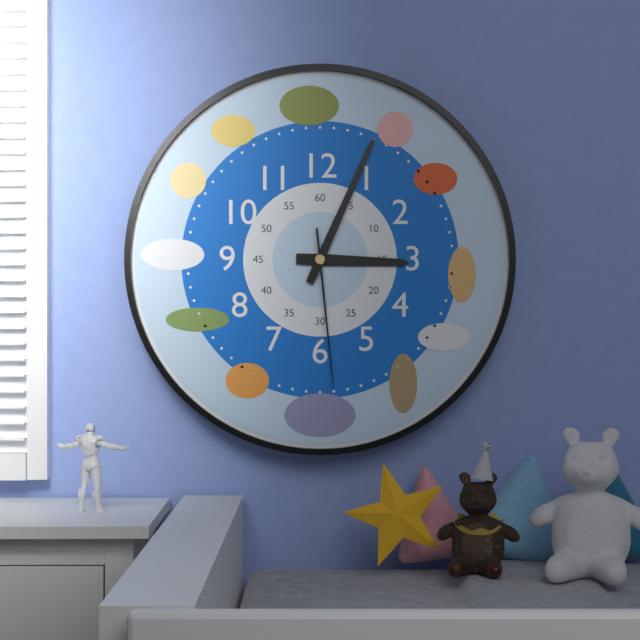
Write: 3:04:29
